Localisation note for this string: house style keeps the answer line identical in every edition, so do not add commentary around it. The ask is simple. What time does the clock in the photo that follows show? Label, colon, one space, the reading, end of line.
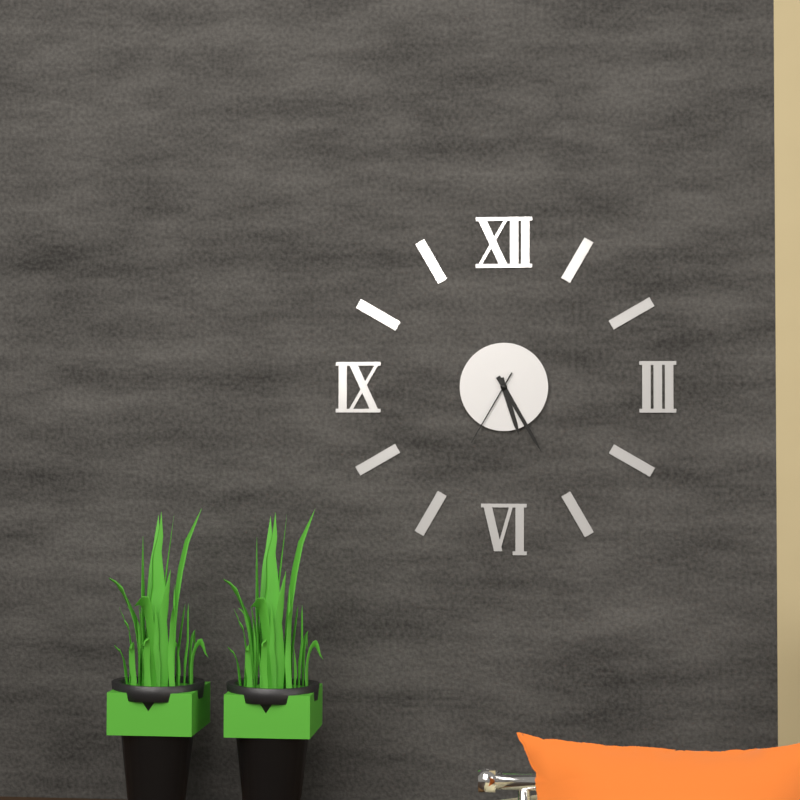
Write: 5:25:35
